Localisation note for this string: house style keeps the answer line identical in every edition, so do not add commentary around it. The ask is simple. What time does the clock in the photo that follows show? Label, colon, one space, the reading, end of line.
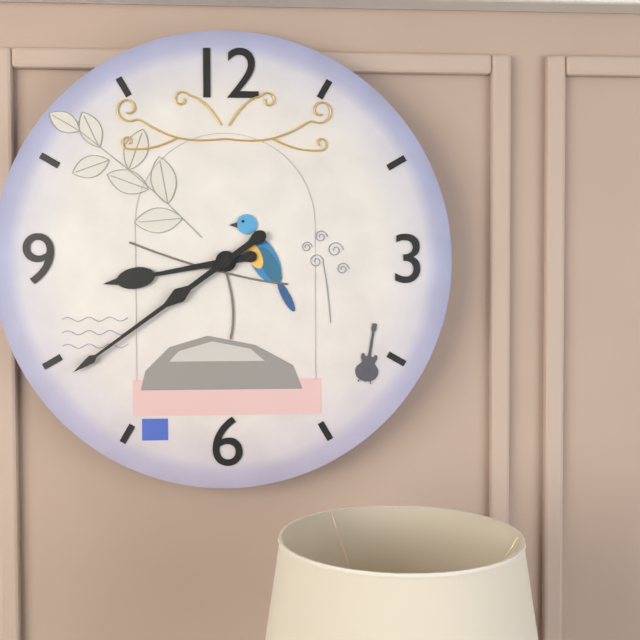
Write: 8:39
